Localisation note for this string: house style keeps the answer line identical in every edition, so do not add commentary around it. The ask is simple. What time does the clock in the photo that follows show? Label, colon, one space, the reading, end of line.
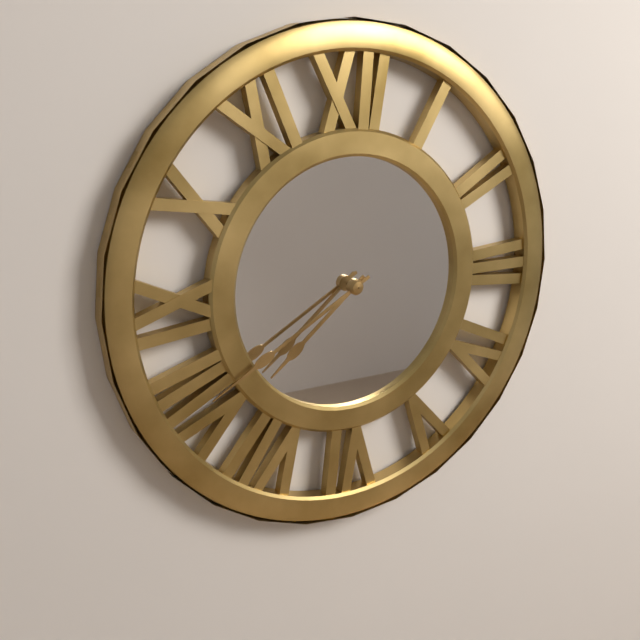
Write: 7:40
